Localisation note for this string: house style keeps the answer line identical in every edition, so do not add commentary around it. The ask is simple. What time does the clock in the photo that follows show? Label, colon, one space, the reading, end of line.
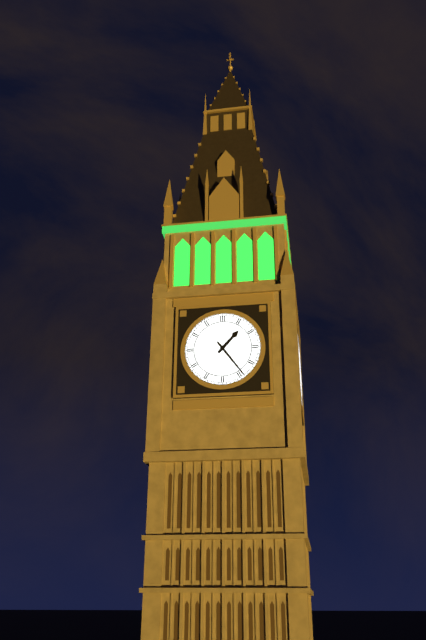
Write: 1:24
